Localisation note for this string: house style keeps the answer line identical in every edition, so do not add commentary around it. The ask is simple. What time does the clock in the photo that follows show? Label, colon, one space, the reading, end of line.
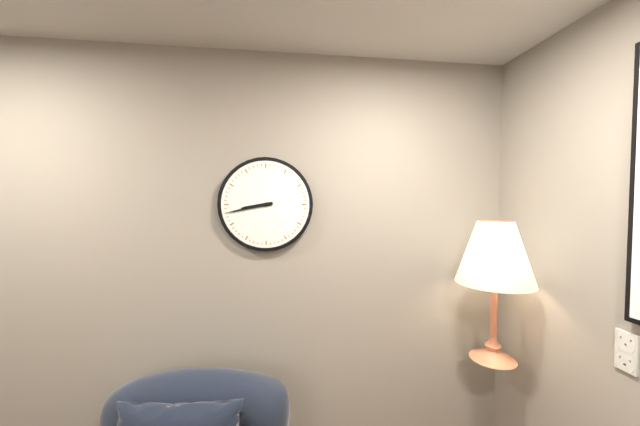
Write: 8:43
